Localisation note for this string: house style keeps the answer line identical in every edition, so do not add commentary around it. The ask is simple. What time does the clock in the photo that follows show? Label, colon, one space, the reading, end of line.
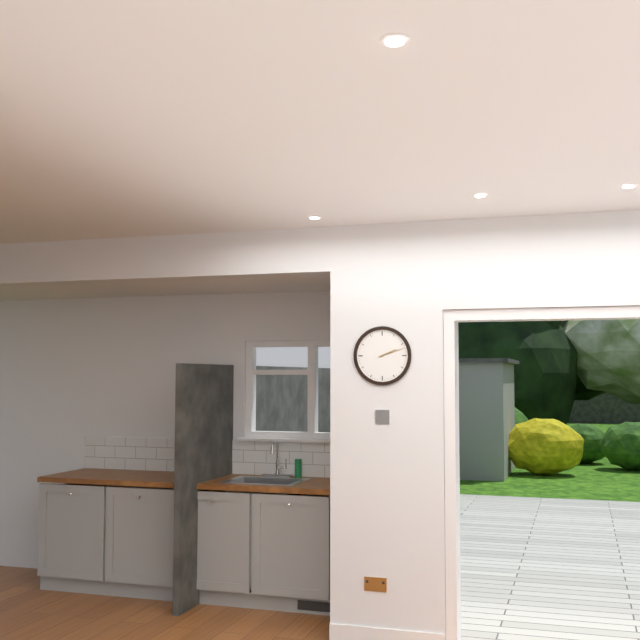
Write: 2:12
